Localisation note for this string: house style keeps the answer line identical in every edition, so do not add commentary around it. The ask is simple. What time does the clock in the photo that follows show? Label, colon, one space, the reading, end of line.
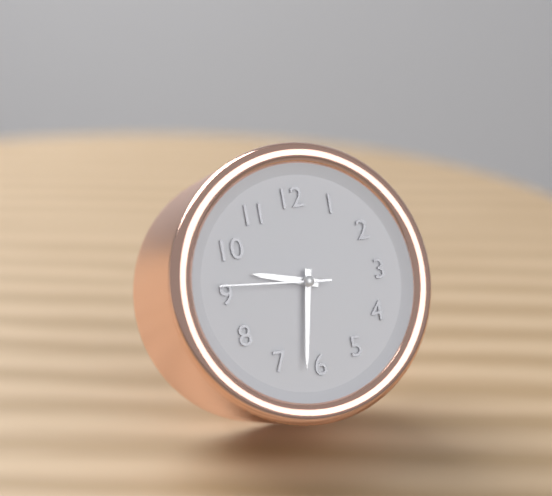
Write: 9:32:46
